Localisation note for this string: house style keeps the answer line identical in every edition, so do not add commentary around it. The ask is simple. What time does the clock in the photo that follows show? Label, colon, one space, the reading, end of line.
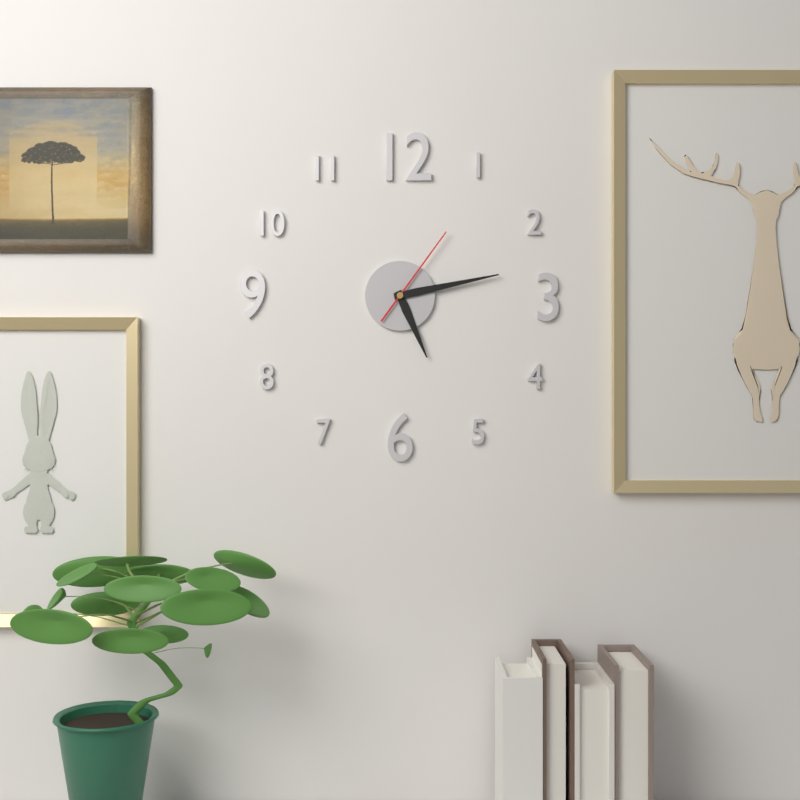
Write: 5:13:06
